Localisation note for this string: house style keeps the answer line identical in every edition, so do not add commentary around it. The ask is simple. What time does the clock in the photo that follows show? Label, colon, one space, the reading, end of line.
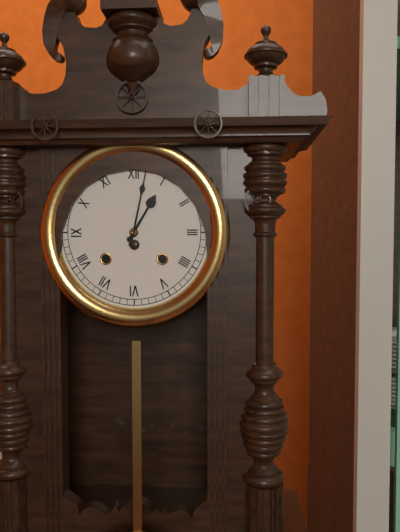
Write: 1:02
